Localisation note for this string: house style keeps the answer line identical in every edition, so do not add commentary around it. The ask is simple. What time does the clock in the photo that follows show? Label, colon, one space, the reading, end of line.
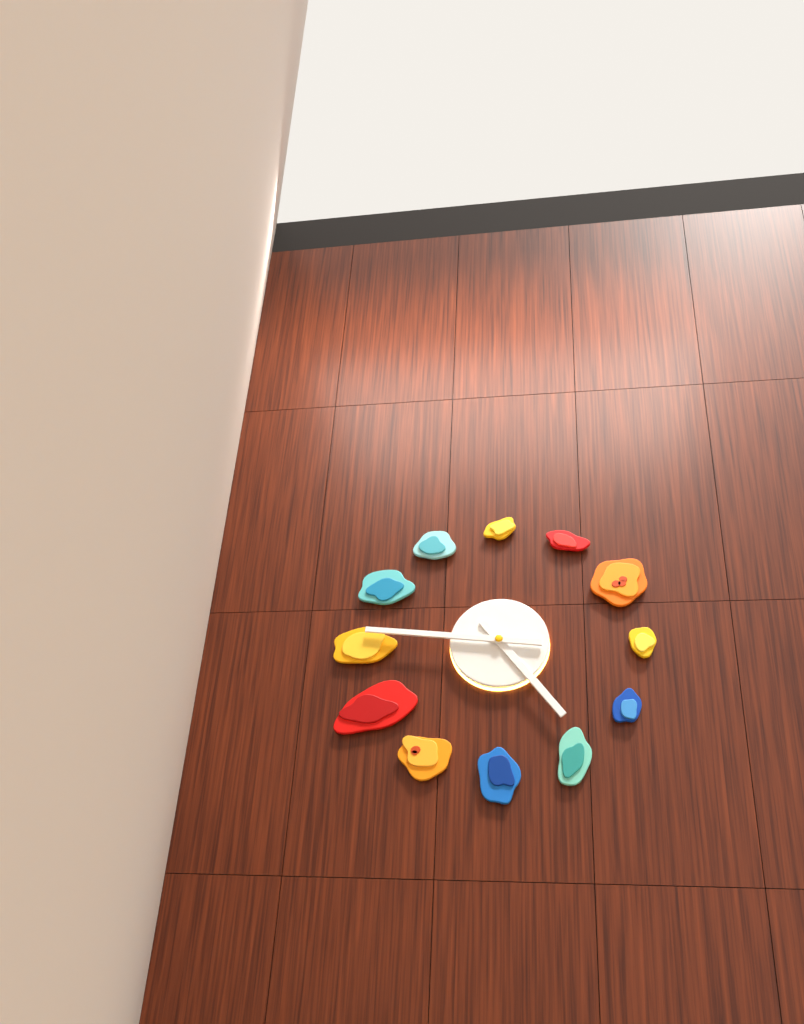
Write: 4:46
